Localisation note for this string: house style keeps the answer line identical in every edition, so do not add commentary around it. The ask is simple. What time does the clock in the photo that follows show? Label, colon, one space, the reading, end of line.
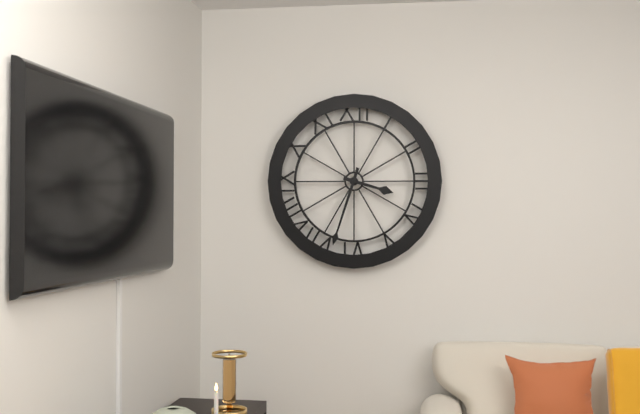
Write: 3:33
